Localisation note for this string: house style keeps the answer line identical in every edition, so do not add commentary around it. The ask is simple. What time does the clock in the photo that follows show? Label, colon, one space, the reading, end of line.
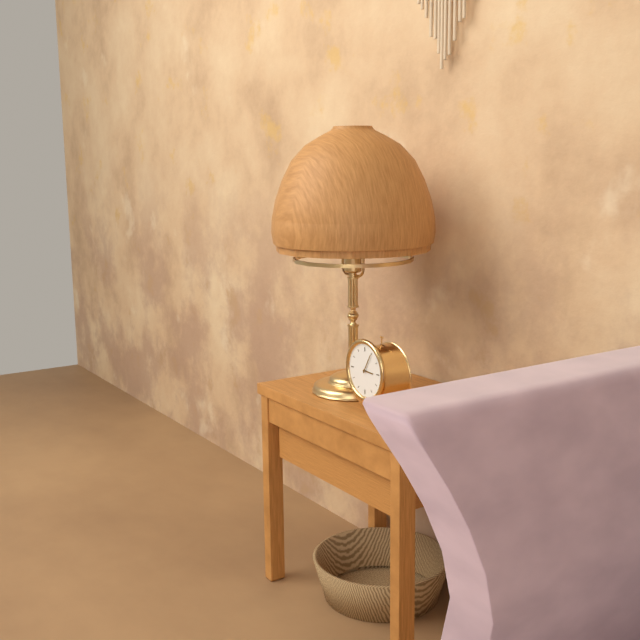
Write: 3:05
